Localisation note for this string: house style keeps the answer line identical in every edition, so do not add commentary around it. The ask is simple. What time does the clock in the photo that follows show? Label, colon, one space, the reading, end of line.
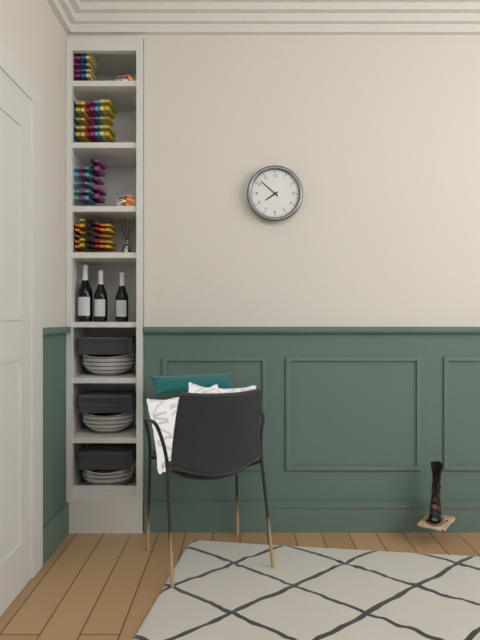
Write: 7:52
